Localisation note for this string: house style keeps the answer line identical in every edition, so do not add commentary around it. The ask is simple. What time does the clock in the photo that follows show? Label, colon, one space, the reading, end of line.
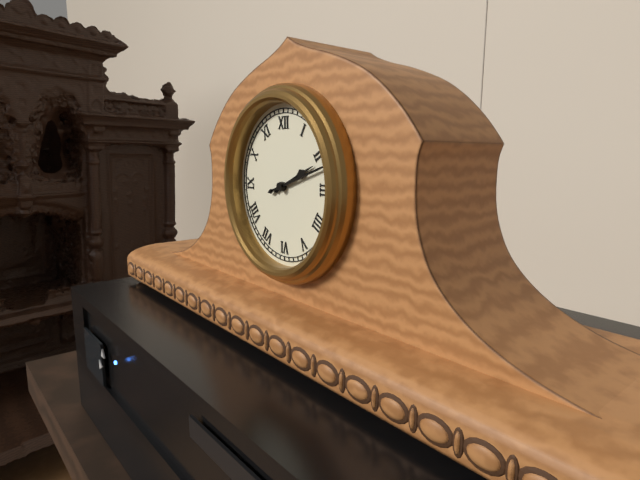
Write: 2:12
